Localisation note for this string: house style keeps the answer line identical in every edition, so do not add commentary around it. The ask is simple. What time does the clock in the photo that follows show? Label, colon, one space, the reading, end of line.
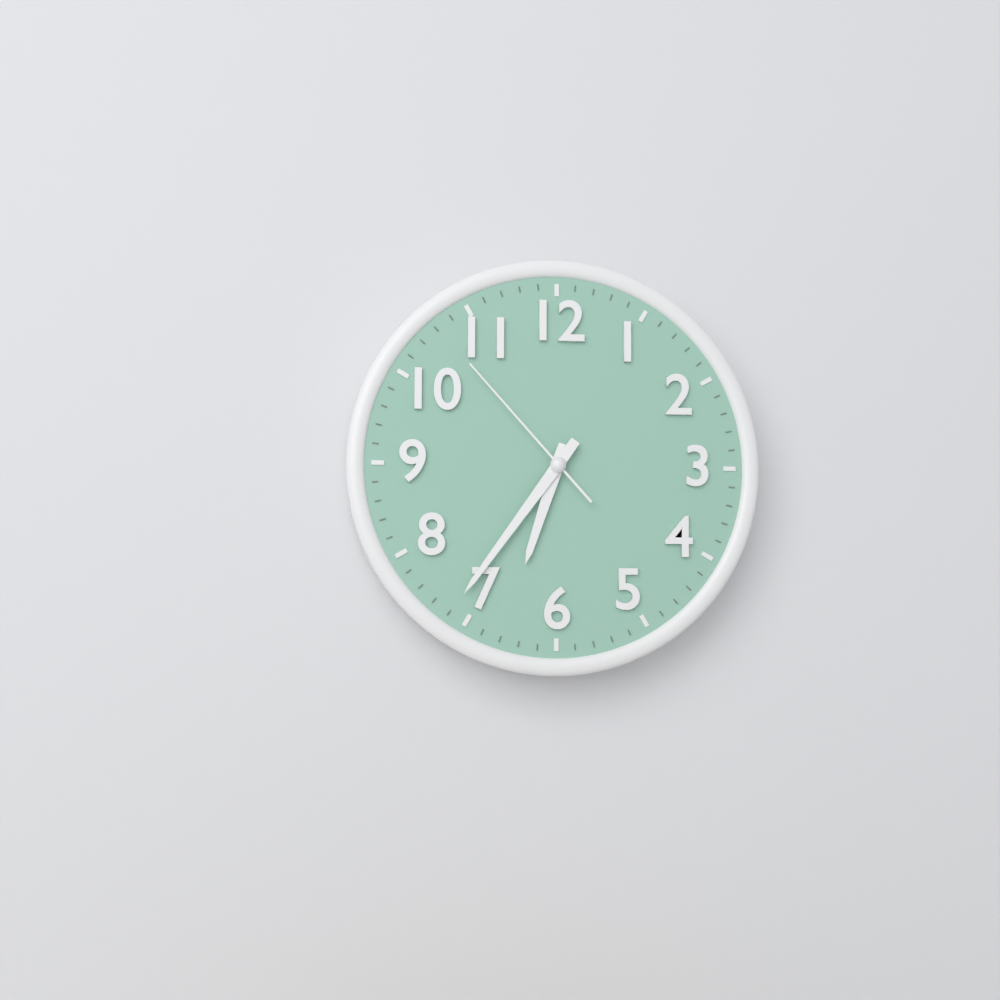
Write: 6:36:53
